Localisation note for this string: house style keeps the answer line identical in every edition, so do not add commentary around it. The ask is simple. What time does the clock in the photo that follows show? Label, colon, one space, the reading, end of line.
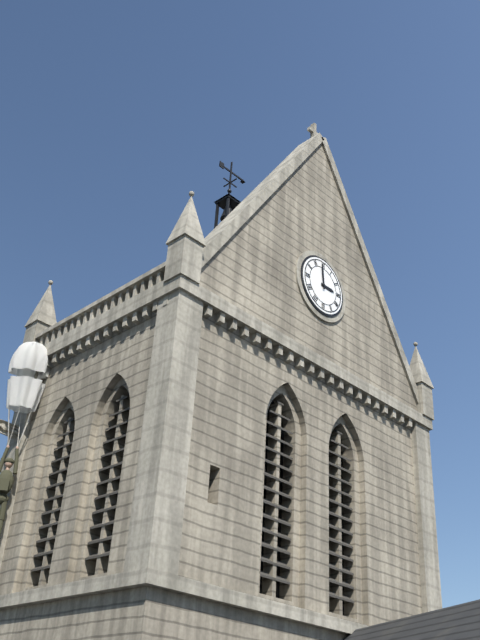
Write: 2:59
